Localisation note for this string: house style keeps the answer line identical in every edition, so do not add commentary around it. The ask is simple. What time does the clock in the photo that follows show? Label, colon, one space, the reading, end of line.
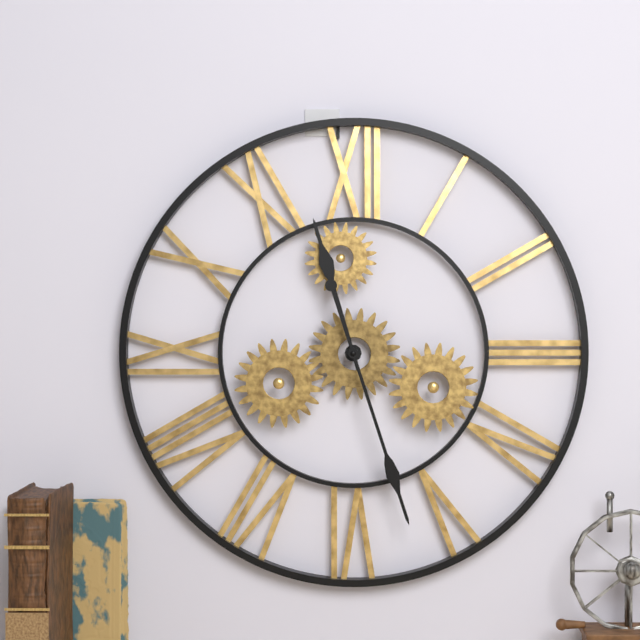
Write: 11:27
